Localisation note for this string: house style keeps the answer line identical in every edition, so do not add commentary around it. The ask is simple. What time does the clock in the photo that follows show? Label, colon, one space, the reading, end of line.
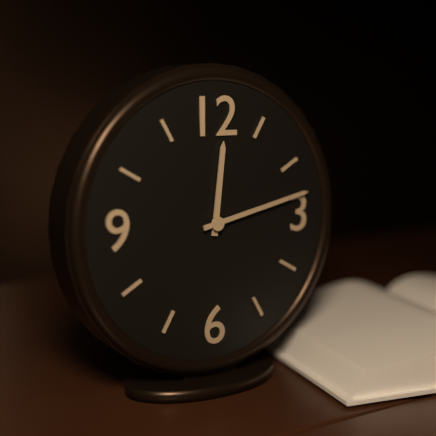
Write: 12:13
